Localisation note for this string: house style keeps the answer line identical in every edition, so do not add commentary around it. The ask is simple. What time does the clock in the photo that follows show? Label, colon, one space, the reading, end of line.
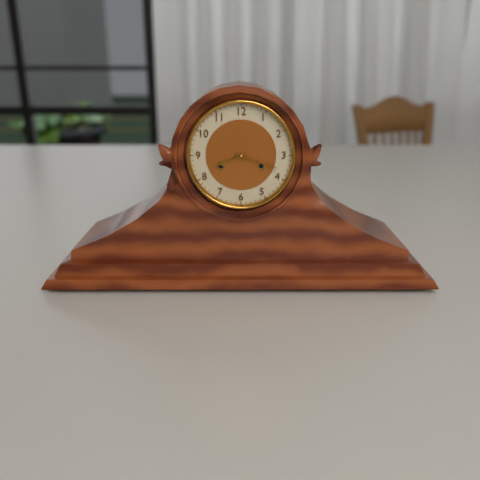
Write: 8:18
